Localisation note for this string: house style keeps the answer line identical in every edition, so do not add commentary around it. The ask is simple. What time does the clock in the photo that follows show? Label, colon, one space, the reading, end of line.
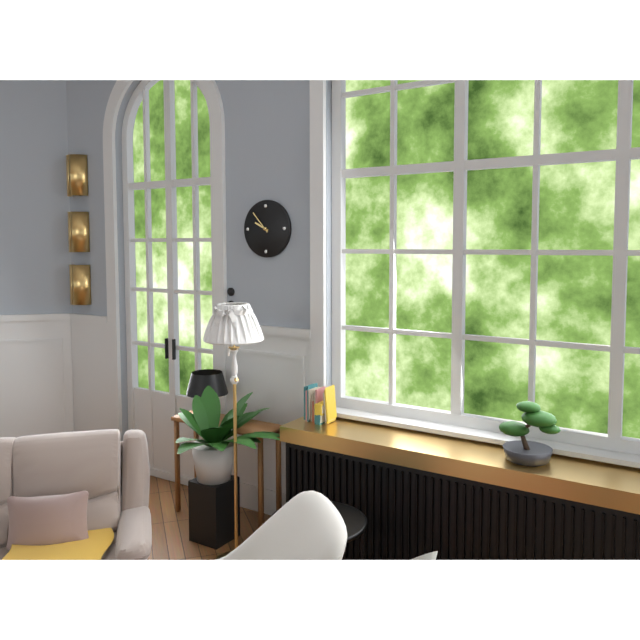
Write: 9:53
